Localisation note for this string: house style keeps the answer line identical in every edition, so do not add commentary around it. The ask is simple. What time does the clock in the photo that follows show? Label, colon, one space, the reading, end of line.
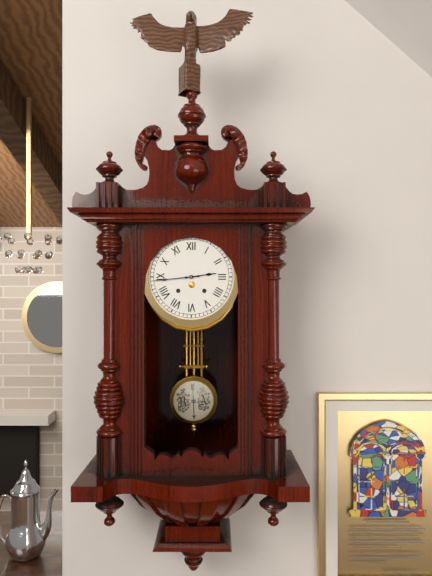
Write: 2:44
